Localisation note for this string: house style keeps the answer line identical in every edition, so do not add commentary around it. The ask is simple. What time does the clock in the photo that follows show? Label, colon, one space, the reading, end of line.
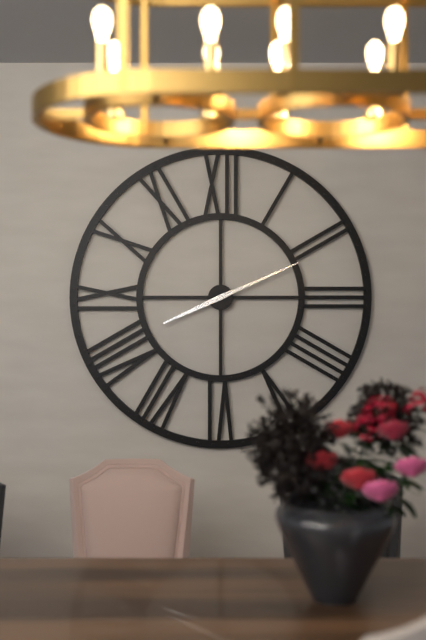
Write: 8:11
